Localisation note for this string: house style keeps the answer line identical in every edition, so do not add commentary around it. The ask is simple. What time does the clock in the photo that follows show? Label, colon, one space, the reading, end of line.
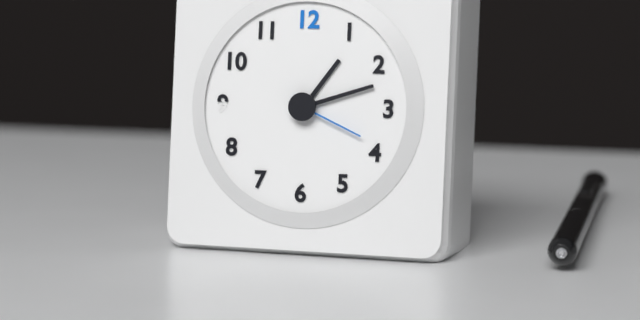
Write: 1:12:19
